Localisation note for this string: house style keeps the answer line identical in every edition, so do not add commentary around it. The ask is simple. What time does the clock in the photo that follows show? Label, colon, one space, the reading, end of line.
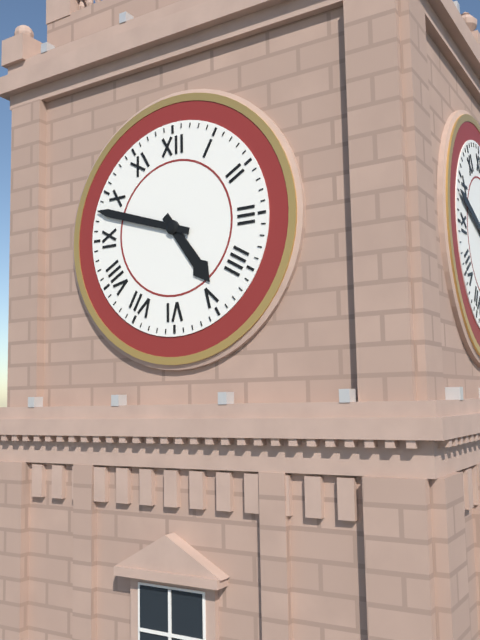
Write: 4:48
